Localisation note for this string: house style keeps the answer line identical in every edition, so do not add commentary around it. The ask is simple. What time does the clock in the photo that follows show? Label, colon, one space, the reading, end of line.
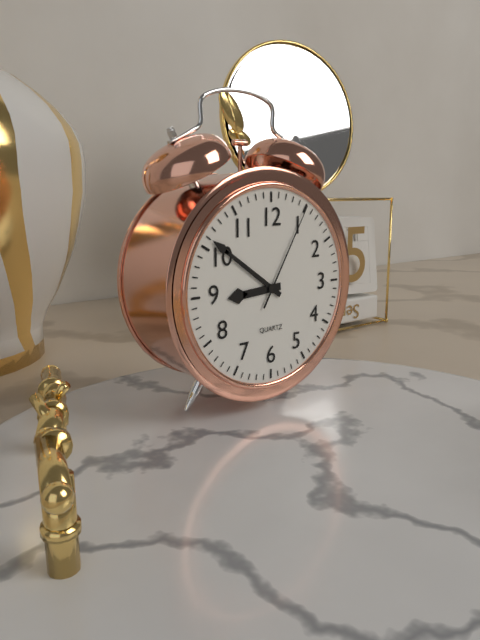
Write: 8:51:05
